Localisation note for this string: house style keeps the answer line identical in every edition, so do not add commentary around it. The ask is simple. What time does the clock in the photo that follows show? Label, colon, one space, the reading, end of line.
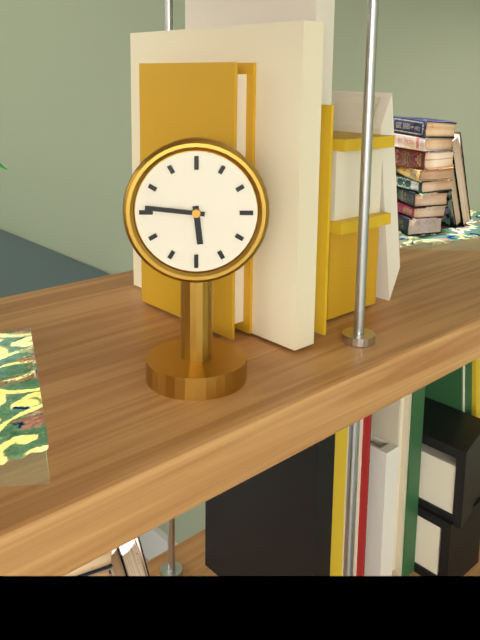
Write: 5:46
